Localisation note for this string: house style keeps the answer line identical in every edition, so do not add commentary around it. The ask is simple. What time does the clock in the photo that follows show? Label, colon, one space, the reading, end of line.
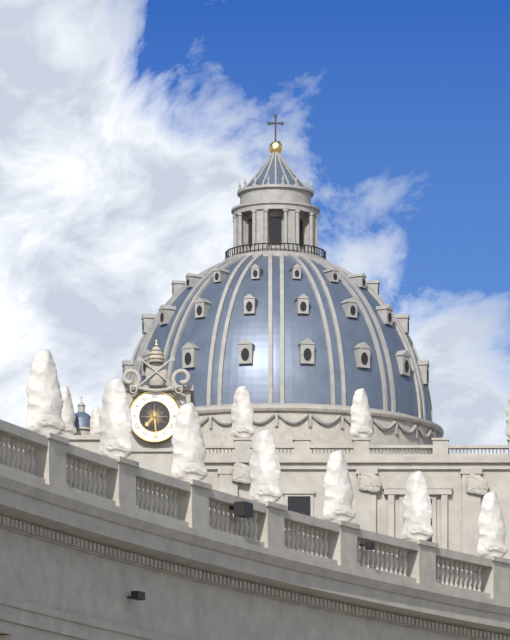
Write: 7:29
